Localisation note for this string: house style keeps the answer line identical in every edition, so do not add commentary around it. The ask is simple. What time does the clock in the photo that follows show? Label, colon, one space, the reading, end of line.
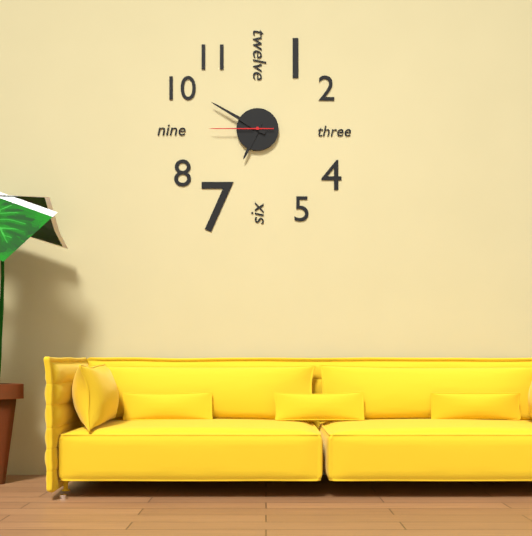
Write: 6:50:45
